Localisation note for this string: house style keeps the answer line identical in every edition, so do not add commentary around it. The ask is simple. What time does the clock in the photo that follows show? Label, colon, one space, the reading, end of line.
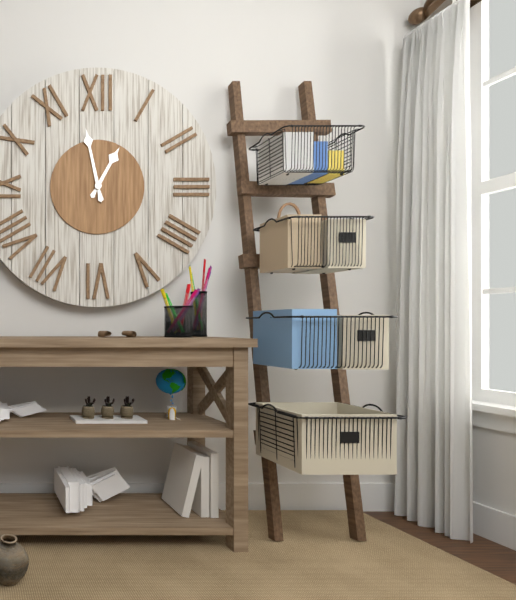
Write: 12:58
